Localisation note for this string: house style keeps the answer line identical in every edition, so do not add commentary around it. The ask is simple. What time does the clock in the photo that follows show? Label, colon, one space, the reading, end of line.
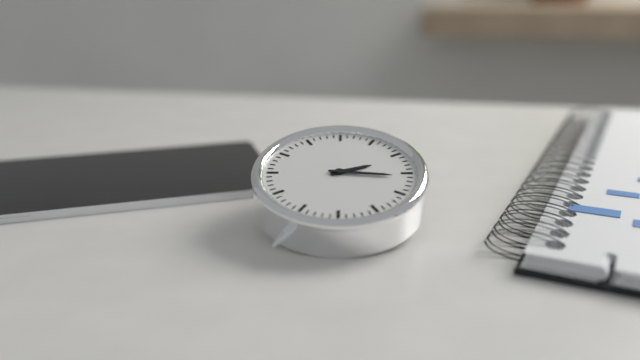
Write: 2:16
